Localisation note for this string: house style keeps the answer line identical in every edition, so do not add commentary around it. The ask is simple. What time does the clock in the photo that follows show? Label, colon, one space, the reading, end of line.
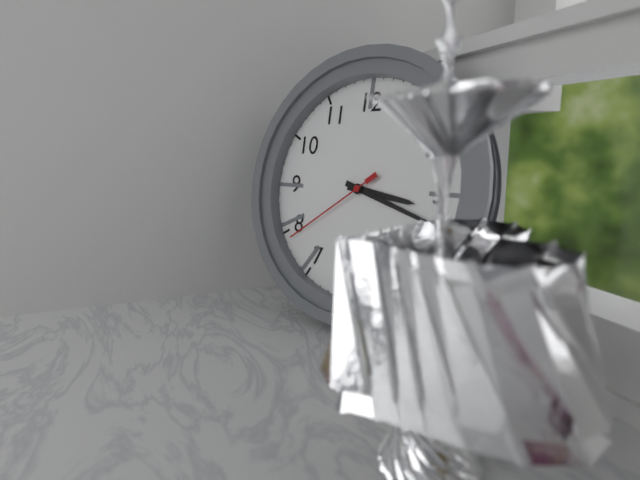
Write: 3:18:39
